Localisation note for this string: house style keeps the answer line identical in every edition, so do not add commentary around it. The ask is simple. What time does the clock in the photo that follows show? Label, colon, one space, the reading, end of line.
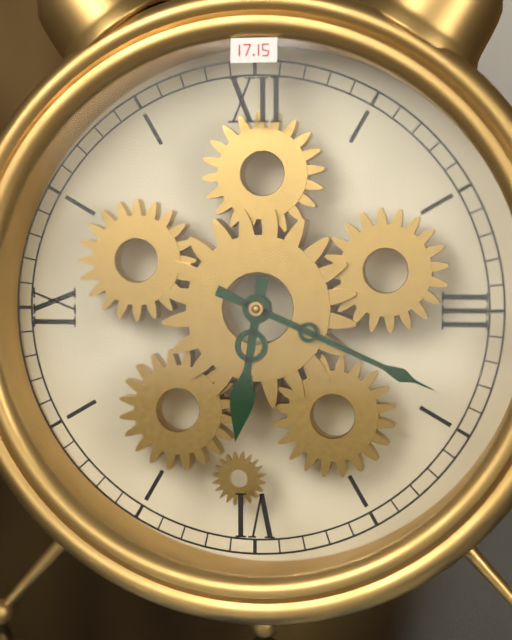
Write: 6:19
